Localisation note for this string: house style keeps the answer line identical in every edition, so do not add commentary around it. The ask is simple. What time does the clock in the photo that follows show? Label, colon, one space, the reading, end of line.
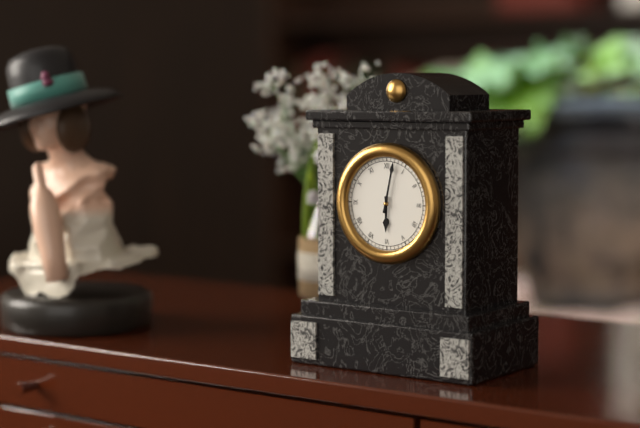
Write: 6:02
